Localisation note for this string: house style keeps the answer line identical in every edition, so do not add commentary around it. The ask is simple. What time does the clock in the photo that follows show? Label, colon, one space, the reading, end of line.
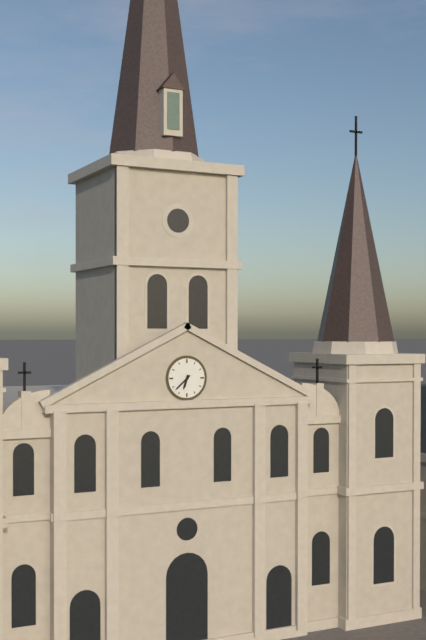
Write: 6:38
